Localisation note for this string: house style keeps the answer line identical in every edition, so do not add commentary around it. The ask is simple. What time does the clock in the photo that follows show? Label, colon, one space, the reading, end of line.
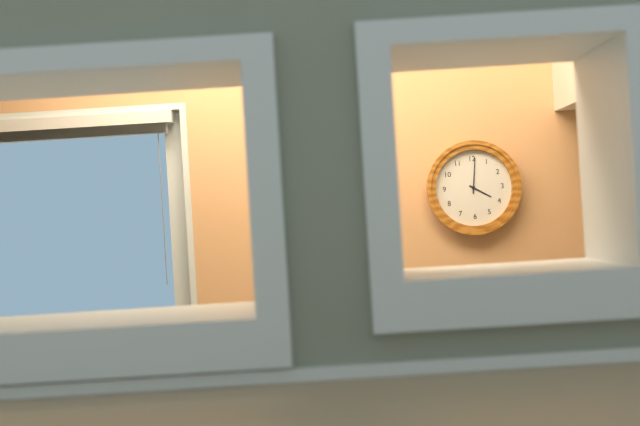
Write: 4:01
